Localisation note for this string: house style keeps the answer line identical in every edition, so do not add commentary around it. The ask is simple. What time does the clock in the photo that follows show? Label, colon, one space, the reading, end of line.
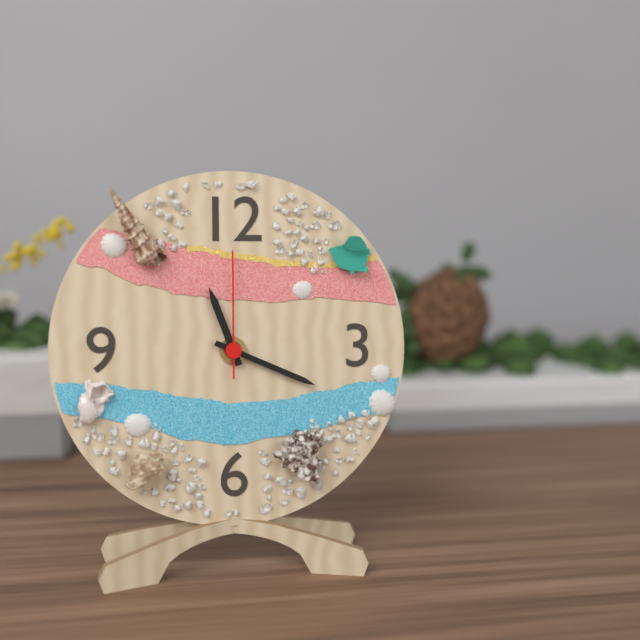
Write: 11:19:00
